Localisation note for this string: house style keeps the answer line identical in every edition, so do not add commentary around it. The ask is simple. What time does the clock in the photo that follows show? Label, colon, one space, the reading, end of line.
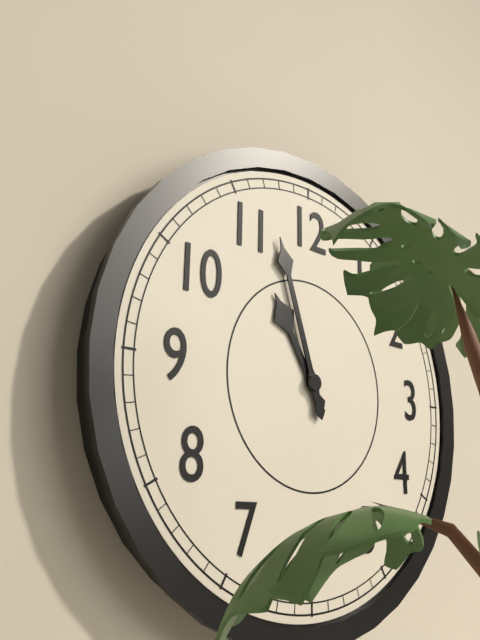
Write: 10:57
